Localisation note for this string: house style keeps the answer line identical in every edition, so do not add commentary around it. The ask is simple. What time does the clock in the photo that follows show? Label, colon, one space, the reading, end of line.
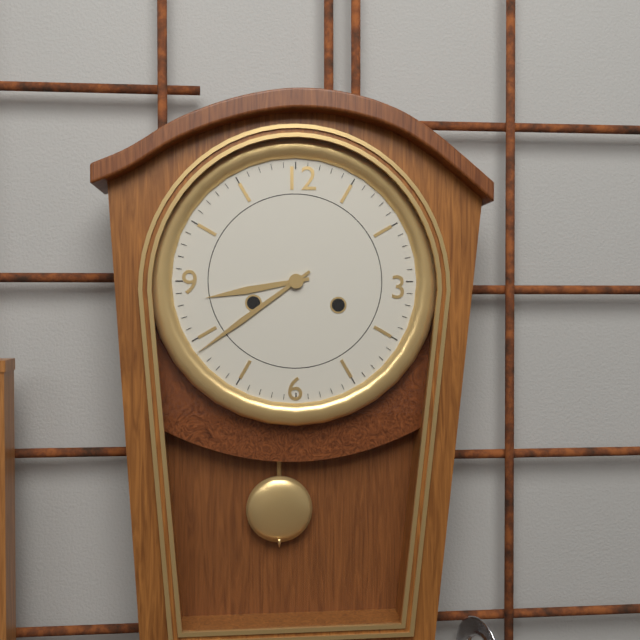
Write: 8:39
